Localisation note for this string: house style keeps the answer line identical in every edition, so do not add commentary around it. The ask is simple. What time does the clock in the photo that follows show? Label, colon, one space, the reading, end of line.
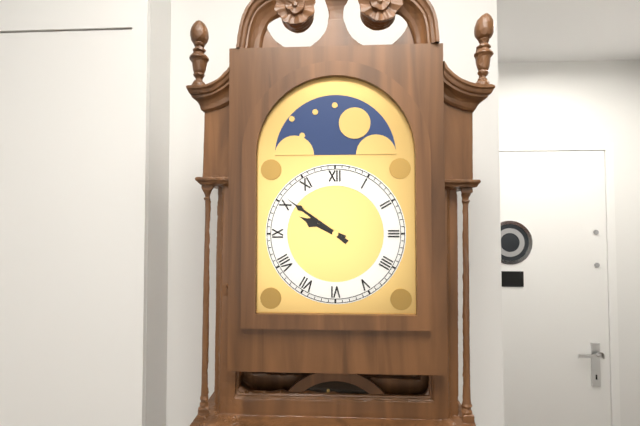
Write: 9:51
